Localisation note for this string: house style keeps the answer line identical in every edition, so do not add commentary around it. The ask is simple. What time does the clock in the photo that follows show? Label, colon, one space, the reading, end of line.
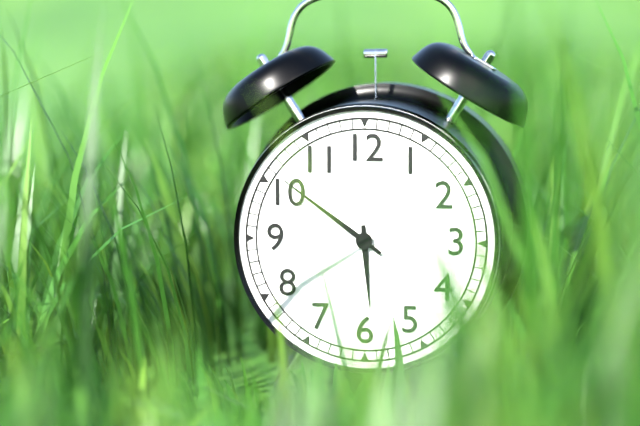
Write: 5:51
